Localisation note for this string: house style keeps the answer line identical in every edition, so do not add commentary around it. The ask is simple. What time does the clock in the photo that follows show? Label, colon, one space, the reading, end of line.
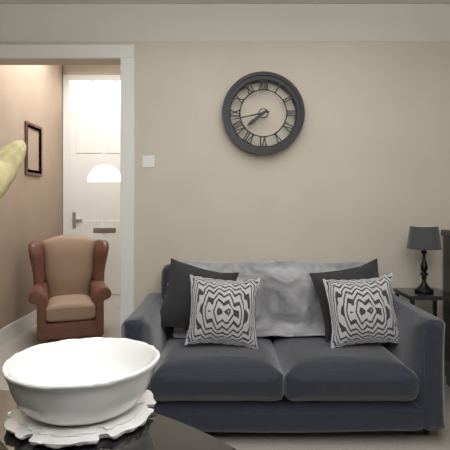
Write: 7:43
